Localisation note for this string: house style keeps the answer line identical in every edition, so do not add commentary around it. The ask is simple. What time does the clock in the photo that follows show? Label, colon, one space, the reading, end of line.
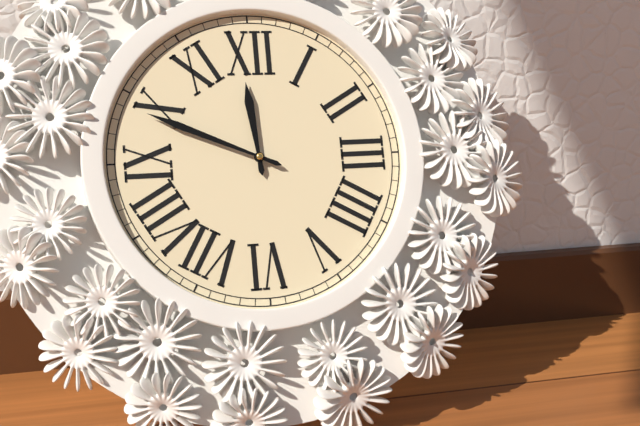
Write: 11:49
